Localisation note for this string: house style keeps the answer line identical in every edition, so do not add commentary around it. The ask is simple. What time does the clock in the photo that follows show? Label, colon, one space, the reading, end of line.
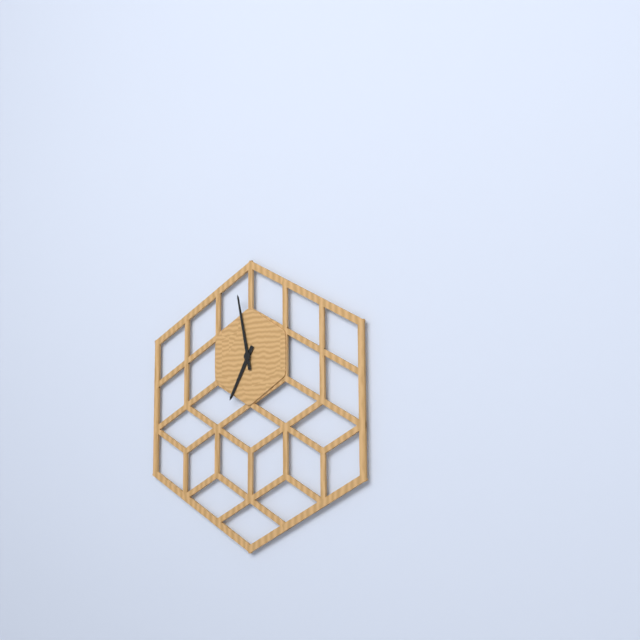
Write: 6:58
